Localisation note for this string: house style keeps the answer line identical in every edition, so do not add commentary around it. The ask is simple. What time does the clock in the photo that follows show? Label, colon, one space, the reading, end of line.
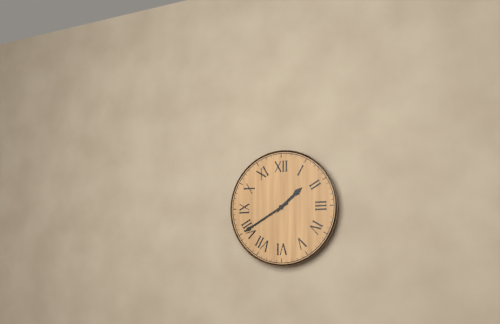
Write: 1:40
